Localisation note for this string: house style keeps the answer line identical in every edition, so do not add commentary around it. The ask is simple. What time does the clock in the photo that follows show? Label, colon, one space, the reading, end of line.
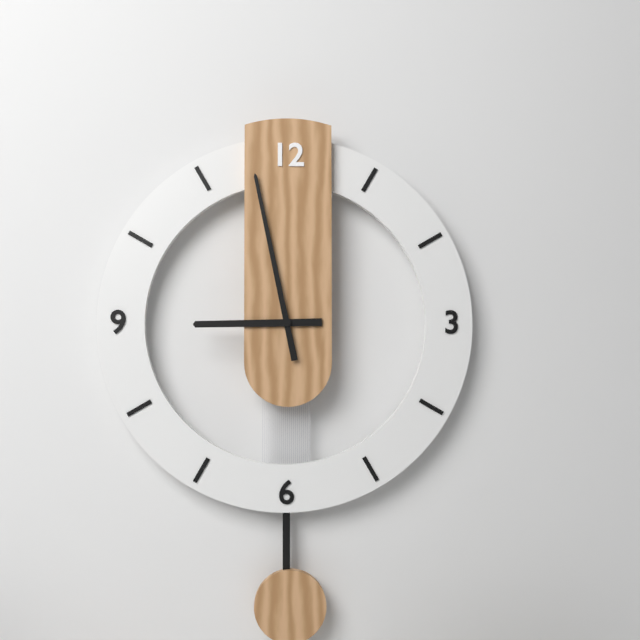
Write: 8:58
